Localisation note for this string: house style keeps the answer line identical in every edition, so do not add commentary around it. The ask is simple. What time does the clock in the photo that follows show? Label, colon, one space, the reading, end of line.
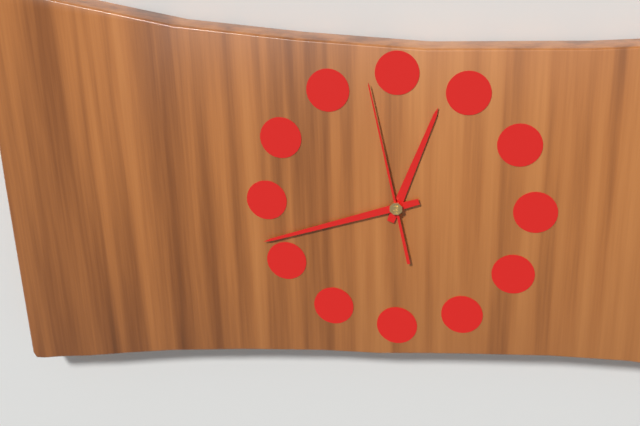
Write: 12:42:58
